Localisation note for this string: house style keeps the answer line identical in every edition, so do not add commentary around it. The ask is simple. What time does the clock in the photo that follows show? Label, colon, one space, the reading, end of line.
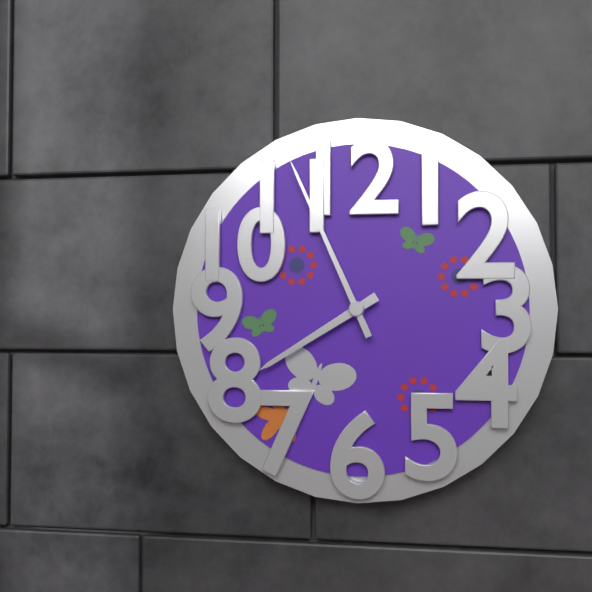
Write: 7:56
